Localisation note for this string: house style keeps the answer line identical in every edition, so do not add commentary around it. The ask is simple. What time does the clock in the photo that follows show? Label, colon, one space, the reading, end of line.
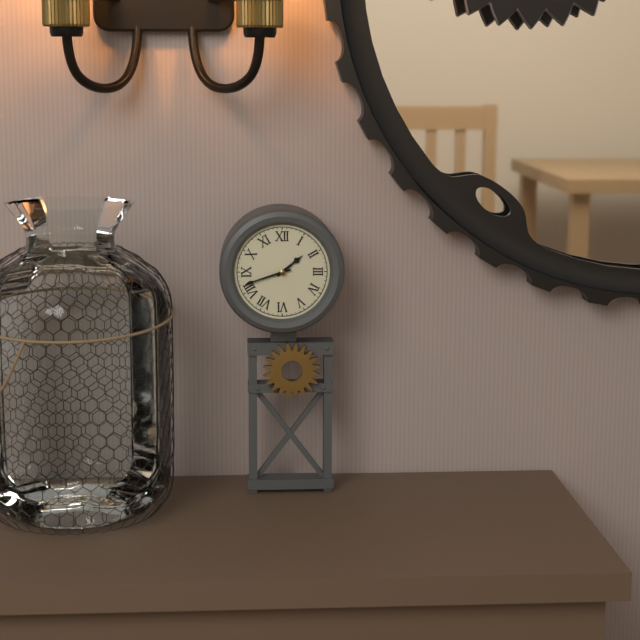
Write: 1:42
